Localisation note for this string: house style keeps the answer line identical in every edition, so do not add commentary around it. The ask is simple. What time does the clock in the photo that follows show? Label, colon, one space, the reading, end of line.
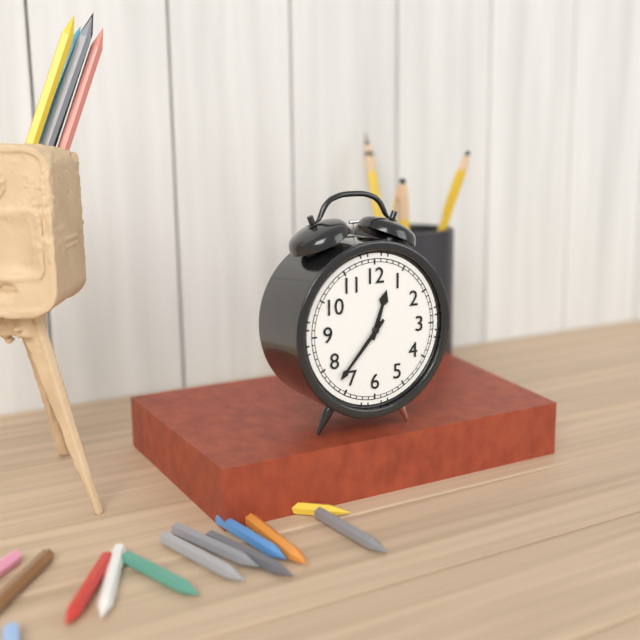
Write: 12:37
